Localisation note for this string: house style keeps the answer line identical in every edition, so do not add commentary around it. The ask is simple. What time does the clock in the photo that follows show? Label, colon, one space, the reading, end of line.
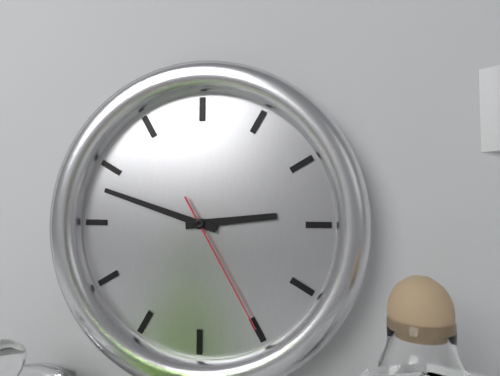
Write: 2:48:25
